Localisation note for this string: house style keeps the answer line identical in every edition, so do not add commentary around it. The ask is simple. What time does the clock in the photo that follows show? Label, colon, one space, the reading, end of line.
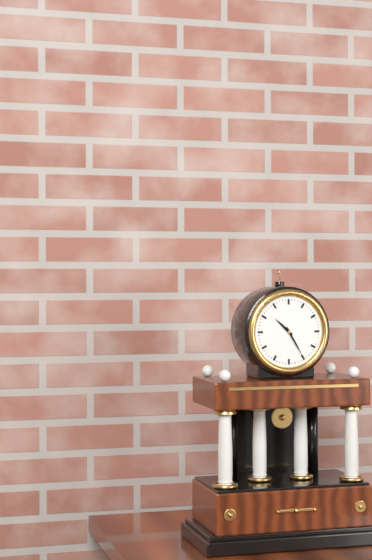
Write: 10:25
